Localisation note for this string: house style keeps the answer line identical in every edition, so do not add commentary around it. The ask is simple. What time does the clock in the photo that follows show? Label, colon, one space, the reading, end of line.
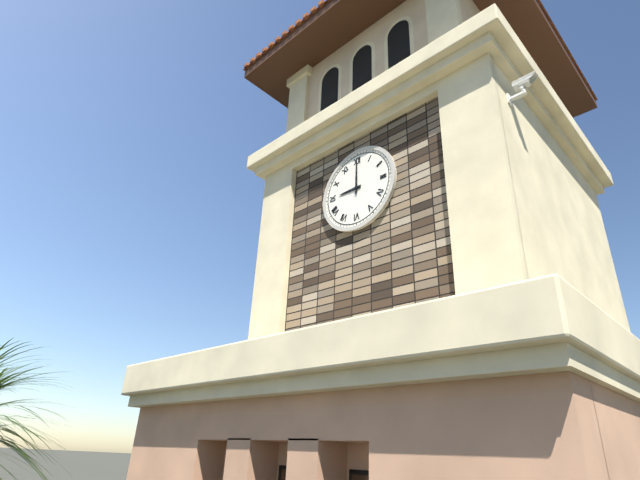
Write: 9:00
